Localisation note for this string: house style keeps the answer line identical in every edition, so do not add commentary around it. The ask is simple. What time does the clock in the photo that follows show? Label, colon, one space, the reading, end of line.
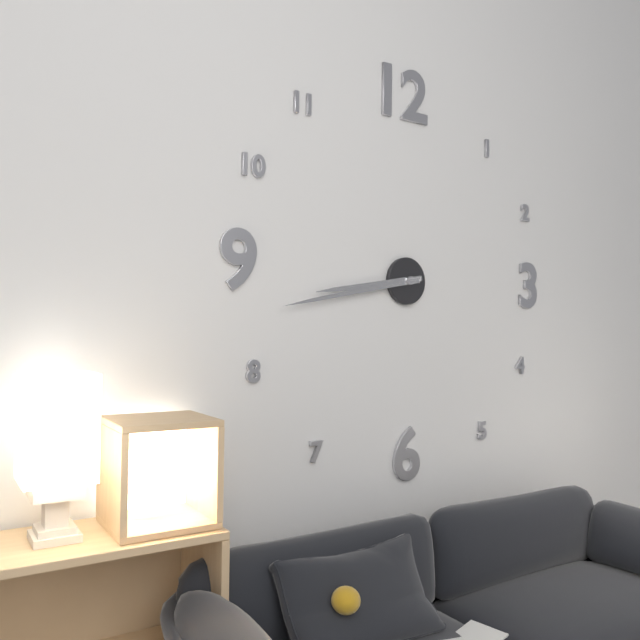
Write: 8:43
